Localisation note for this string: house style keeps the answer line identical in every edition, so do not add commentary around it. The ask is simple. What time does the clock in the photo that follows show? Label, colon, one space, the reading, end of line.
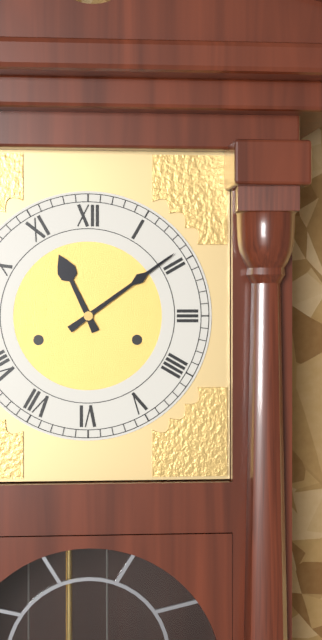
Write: 11:09
